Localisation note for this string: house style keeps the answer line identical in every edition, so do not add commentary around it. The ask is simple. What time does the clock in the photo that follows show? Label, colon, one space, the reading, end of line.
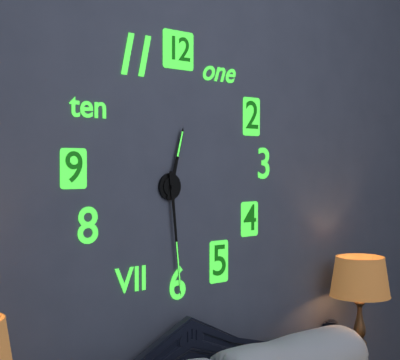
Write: 12:29
